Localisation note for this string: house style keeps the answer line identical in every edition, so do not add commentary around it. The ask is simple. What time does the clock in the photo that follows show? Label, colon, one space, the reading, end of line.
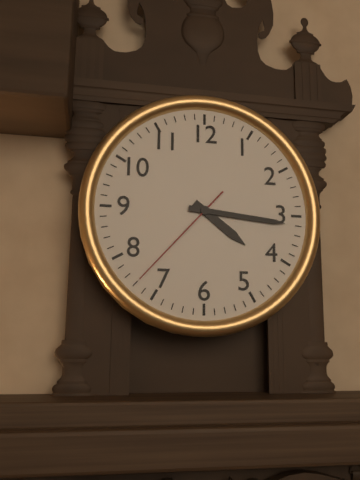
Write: 4:16:37
